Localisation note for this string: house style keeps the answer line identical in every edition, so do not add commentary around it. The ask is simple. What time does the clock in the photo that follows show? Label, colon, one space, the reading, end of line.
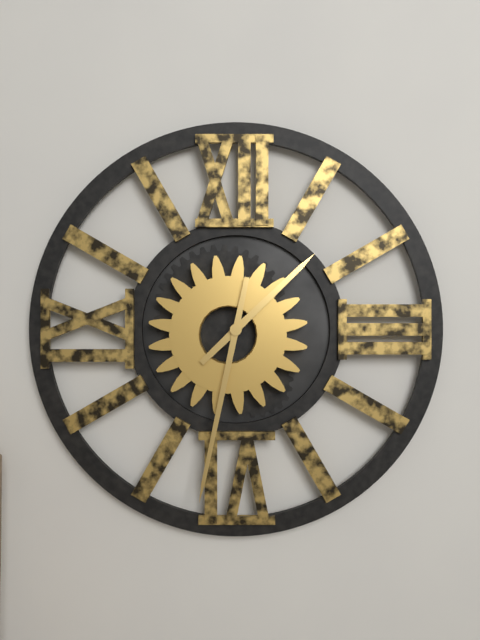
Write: 1:32
